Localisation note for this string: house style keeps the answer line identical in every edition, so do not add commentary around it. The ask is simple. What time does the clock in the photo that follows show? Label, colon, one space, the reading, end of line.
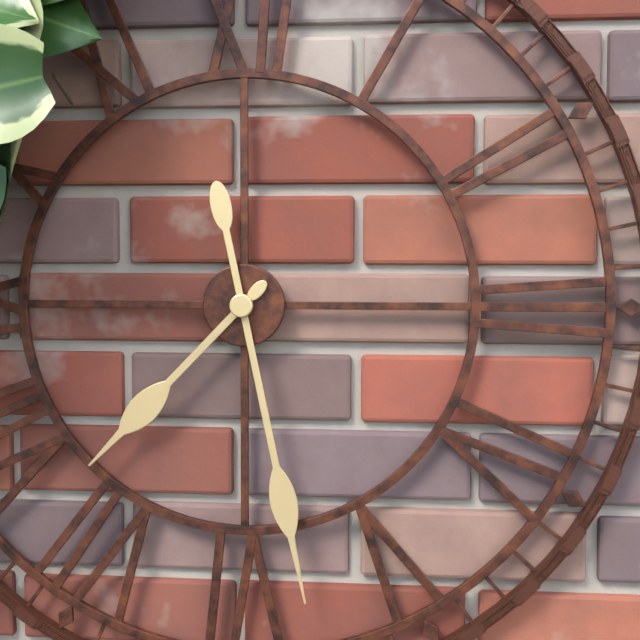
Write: 7:28
